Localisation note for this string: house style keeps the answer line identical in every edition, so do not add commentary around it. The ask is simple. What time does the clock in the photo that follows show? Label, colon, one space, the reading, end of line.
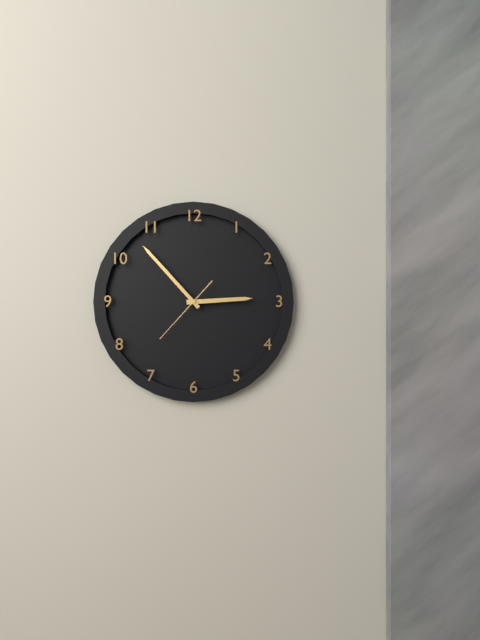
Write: 2:53:37
